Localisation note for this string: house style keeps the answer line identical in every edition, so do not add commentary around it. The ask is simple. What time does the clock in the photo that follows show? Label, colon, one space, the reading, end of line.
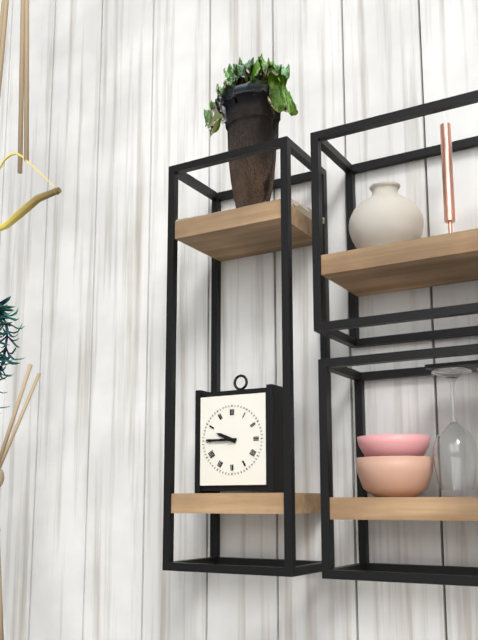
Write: 9:45
